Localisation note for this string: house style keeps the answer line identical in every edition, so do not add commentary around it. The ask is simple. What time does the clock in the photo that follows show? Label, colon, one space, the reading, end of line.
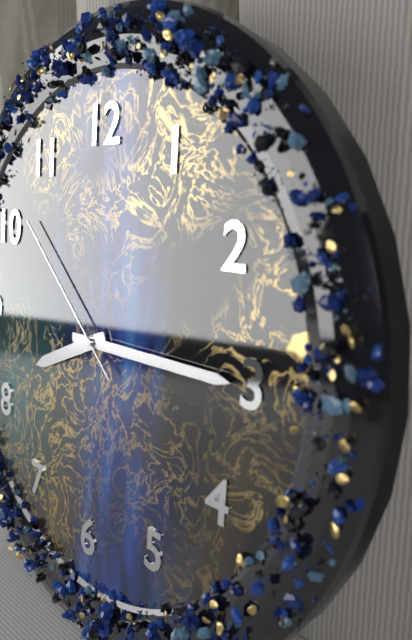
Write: 8:15:52
